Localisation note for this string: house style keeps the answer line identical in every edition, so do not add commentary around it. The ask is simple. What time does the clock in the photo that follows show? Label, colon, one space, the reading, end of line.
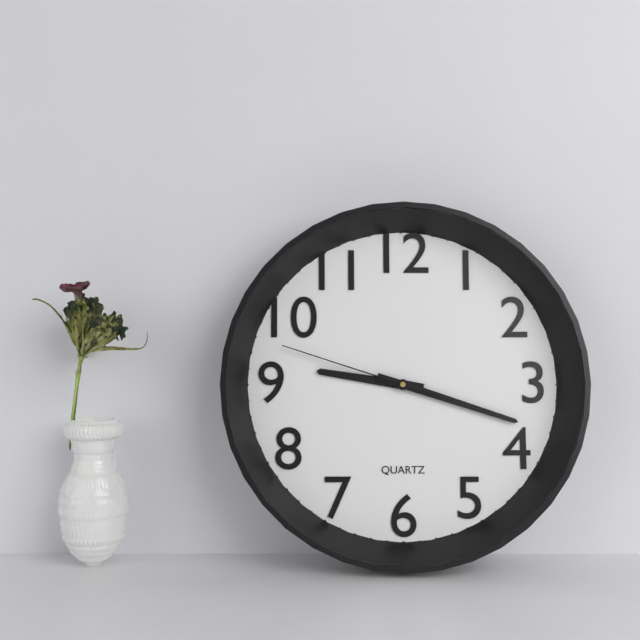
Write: 9:18:48
